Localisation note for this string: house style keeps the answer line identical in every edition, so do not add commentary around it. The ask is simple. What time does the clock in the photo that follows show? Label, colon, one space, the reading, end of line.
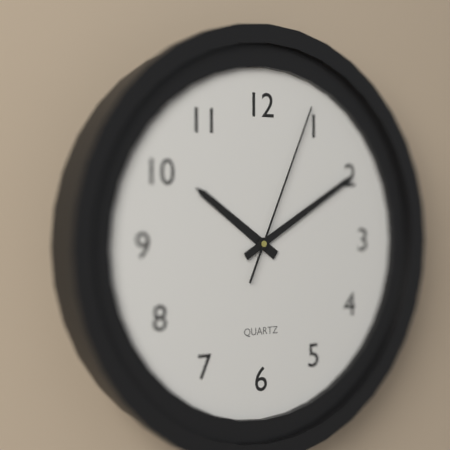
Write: 10:10:04
